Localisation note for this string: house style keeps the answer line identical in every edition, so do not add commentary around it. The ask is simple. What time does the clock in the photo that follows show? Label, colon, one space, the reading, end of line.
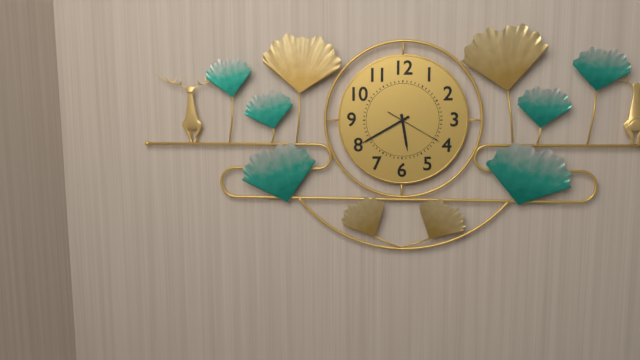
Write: 5:40:20
